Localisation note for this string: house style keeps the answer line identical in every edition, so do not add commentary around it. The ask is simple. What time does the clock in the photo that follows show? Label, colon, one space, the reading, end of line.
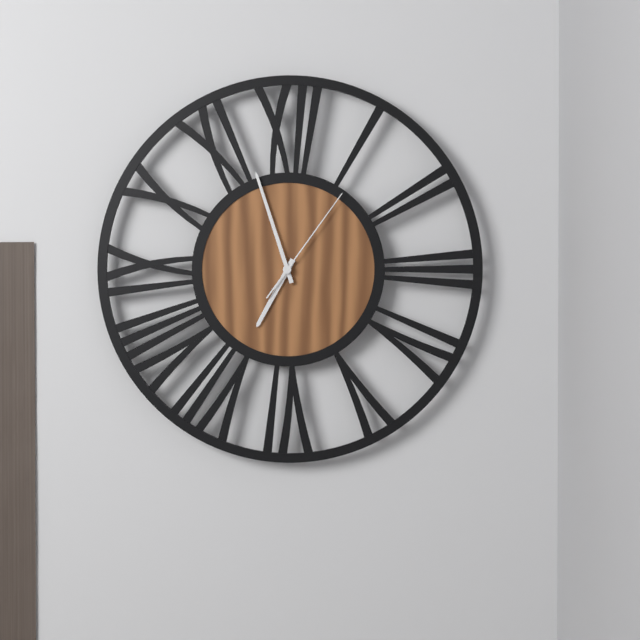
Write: 6:57:06
